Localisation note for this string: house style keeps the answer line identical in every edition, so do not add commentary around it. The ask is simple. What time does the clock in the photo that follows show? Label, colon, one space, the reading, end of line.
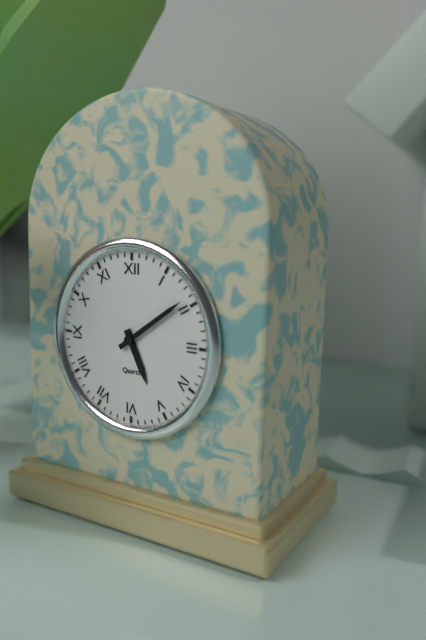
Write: 5:09
